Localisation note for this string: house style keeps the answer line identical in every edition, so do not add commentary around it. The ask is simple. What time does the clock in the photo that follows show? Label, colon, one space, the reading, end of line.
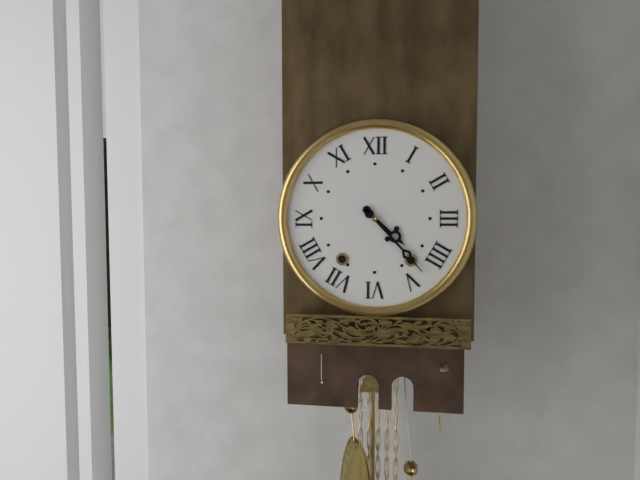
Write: 4:23
